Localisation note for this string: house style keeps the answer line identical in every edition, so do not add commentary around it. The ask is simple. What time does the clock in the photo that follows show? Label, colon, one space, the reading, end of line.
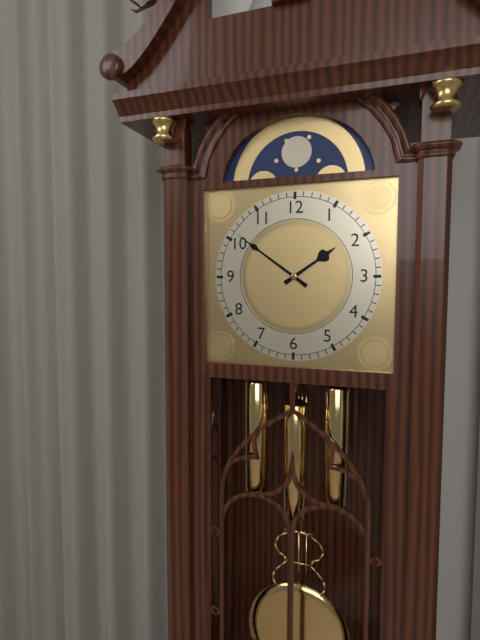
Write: 1:51
